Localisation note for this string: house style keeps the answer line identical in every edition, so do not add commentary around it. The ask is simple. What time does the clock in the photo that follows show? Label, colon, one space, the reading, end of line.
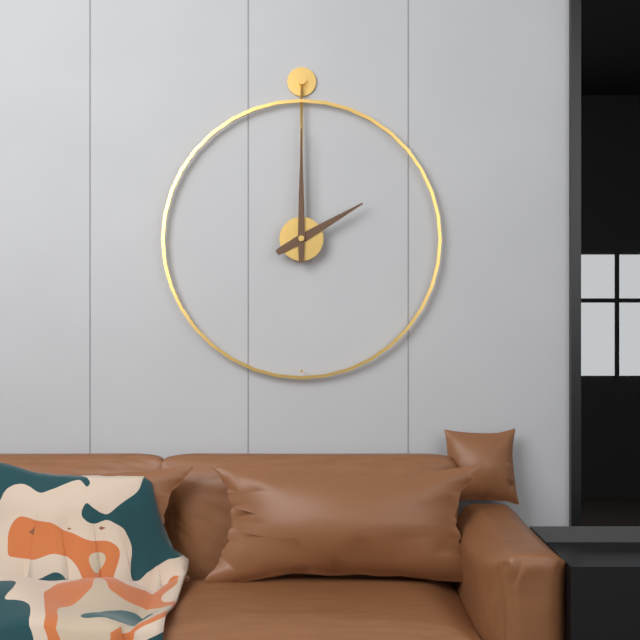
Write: 2:00
